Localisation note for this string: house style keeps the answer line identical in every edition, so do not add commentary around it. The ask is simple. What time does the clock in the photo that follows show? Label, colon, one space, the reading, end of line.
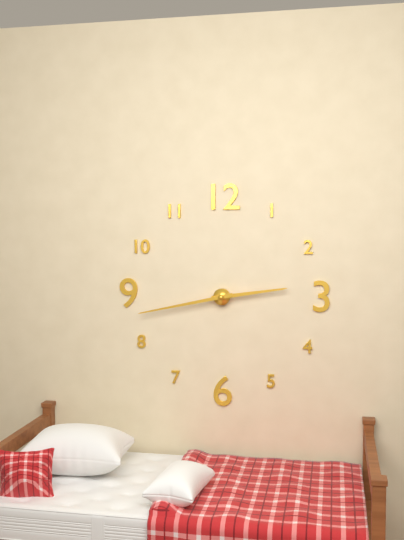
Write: 2:43
